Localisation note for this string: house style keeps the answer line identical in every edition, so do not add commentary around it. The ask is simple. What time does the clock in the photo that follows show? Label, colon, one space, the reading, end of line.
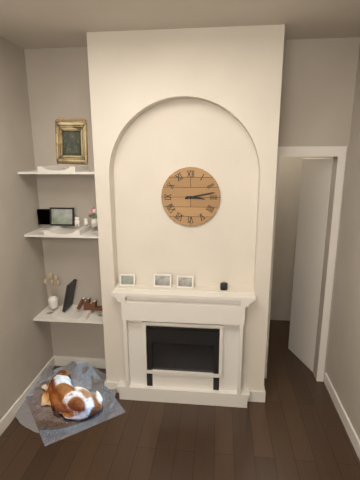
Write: 3:13
